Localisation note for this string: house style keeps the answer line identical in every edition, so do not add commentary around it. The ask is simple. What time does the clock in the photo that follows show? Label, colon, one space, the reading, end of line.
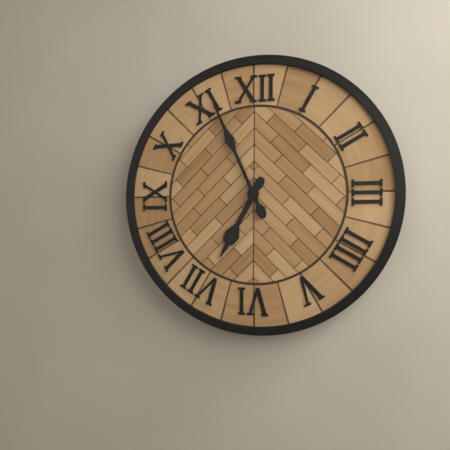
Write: 6:56
